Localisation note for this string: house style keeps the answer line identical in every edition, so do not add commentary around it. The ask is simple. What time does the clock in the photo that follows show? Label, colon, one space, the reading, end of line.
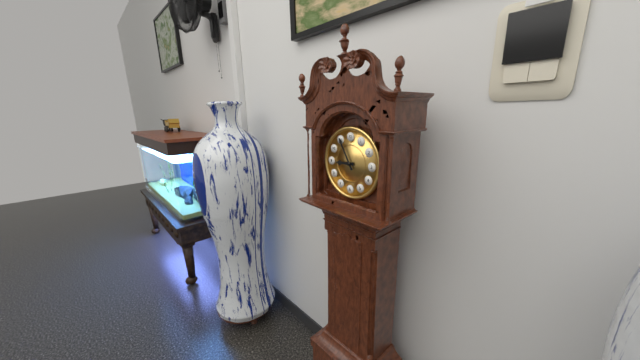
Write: 8:55
